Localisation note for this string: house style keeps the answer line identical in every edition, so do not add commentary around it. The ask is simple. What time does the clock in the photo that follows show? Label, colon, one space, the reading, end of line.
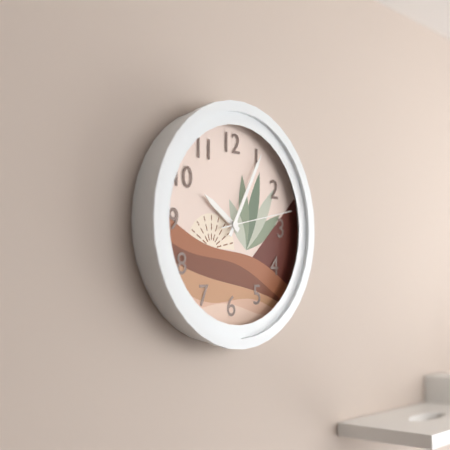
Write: 10:05:13
